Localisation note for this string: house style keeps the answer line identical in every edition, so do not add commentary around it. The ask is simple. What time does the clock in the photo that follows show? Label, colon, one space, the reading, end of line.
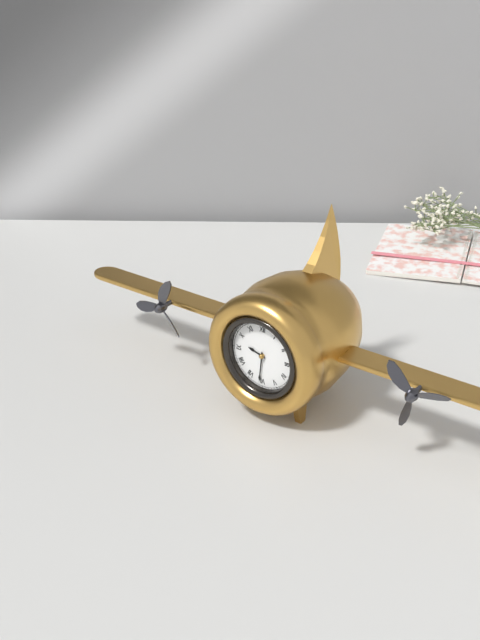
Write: 9:31
